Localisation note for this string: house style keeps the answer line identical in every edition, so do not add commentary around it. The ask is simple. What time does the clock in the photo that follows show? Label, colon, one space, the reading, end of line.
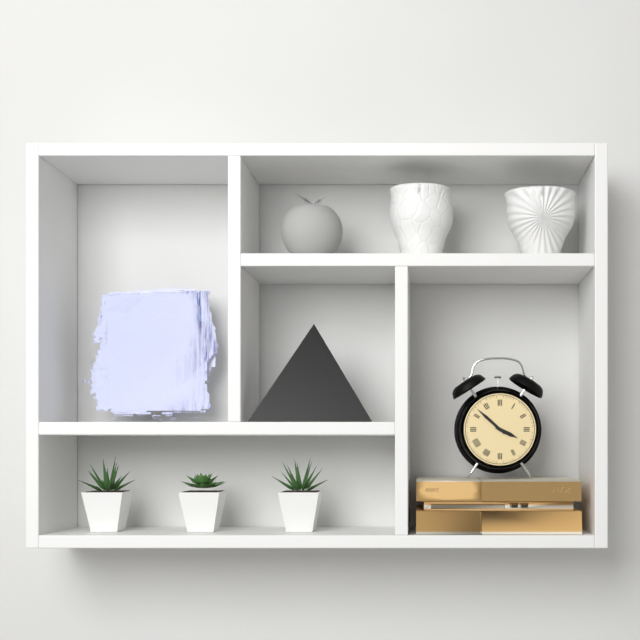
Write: 3:52
